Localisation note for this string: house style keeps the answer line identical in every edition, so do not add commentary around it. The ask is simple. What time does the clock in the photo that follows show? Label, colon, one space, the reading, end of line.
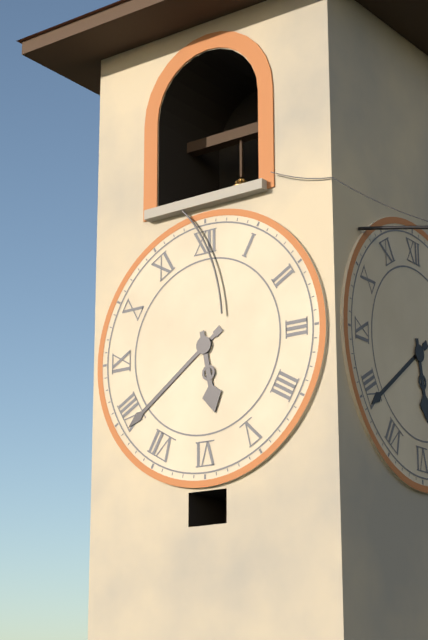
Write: 5:39
